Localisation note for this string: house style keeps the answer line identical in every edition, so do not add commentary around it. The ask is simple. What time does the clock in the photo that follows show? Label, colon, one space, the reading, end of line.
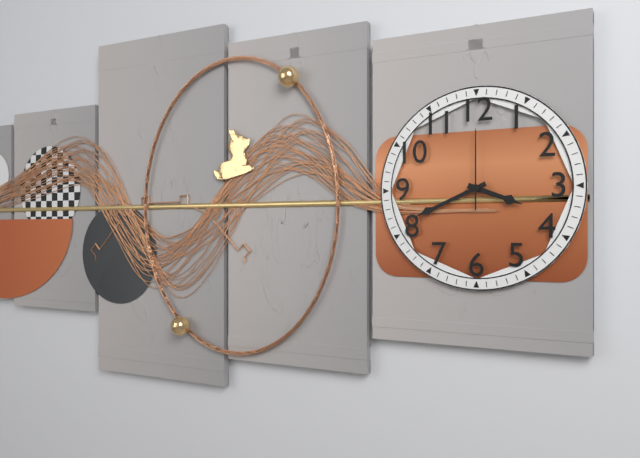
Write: 3:41:00
